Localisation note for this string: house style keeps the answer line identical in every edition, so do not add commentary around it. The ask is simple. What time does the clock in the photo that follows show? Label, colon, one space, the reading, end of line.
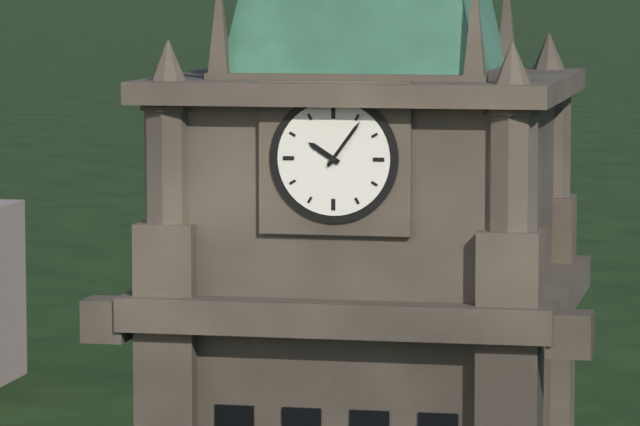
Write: 10:06
